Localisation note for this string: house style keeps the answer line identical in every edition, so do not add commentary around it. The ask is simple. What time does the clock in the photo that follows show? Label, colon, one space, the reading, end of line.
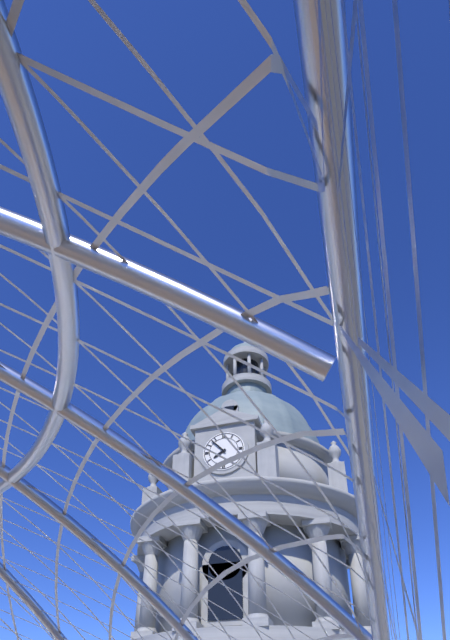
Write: 7:53
